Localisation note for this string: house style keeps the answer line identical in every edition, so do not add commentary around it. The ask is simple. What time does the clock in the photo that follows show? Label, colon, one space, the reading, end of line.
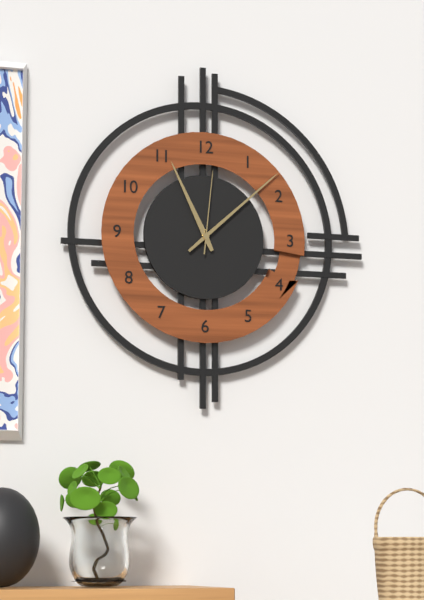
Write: 11:08:01
